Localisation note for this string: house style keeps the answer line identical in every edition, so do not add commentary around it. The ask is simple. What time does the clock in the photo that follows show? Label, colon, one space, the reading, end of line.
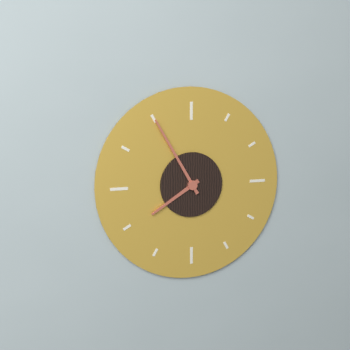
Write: 7:55
